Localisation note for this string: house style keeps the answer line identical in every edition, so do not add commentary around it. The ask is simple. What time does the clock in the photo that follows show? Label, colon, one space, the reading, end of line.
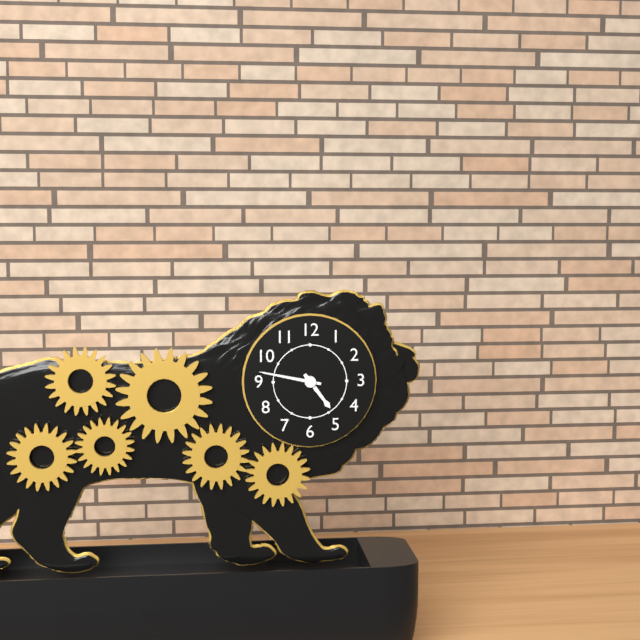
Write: 4:47
